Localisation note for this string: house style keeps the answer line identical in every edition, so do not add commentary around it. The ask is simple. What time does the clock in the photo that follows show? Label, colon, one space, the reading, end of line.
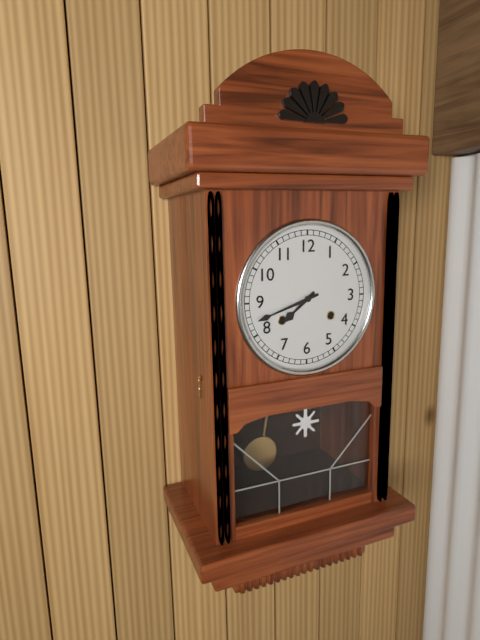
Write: 7:42
